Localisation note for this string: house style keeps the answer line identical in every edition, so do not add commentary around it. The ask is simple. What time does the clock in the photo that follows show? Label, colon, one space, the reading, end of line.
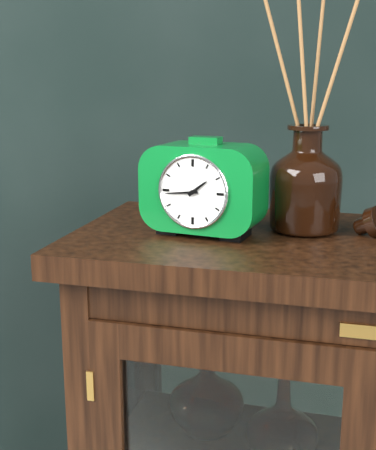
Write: 1:44
